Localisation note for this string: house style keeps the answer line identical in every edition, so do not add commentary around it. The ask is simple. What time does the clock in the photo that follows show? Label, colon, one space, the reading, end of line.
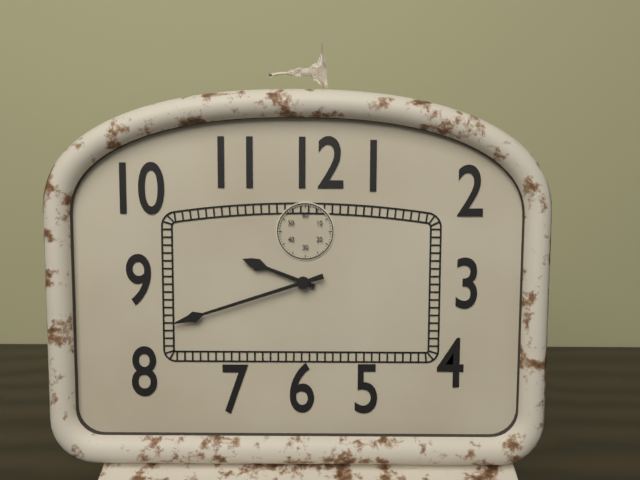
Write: 9:42
